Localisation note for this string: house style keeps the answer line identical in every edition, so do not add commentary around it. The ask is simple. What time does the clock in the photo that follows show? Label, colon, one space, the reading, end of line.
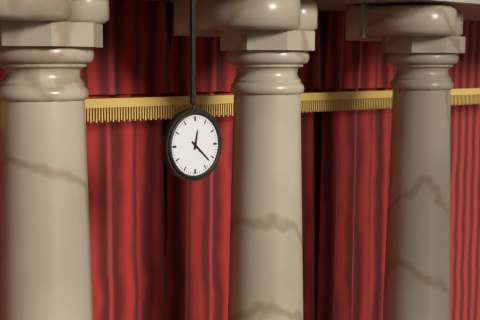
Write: 12:22
